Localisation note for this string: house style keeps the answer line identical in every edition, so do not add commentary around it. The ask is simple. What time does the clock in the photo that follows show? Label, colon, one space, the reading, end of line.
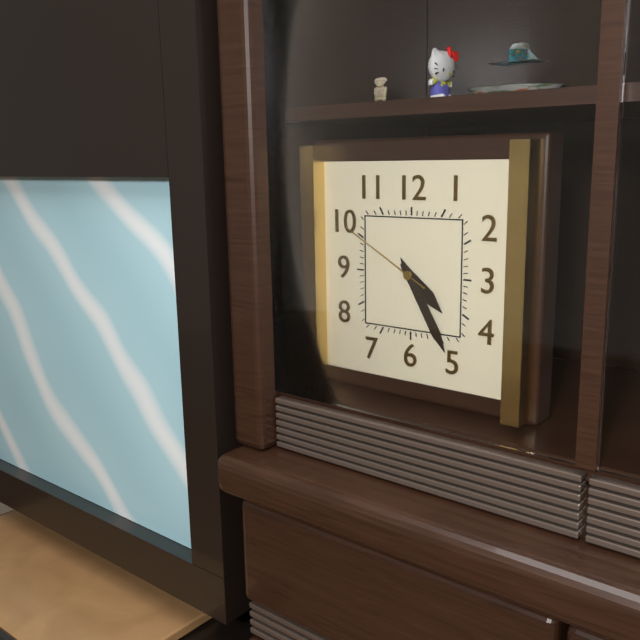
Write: 4:25:50
